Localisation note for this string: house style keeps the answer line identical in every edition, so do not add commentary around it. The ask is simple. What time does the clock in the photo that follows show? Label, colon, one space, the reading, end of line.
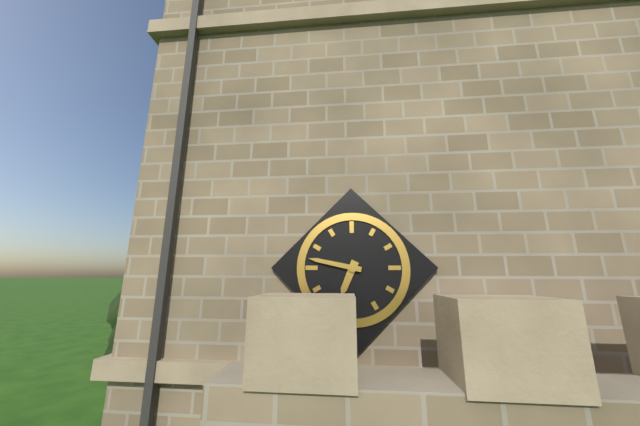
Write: 6:47
